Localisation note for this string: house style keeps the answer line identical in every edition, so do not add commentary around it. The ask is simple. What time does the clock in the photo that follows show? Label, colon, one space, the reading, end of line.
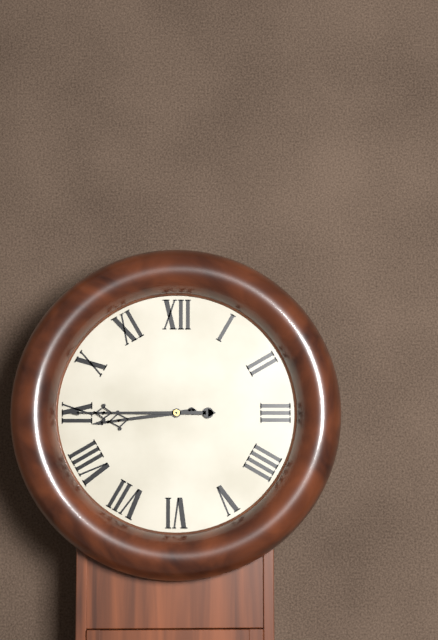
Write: 8:45
